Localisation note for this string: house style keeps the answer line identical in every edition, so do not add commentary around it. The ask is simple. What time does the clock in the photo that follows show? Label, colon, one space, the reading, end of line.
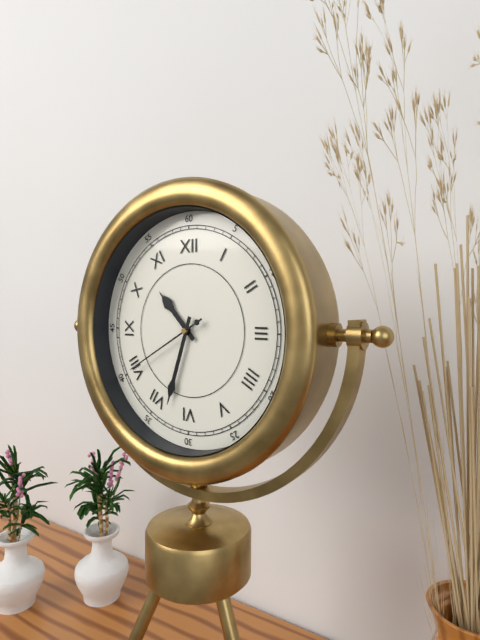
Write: 10:33:40
